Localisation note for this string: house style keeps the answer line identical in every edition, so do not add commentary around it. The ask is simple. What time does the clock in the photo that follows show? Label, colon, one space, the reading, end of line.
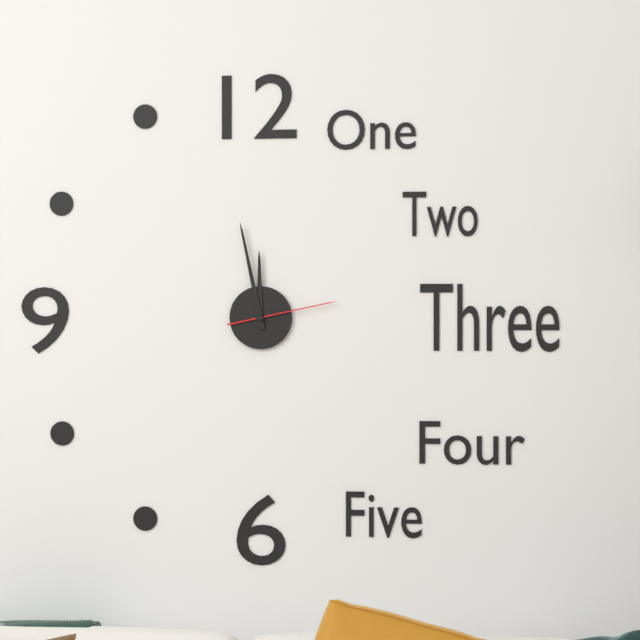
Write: 11:58:13
